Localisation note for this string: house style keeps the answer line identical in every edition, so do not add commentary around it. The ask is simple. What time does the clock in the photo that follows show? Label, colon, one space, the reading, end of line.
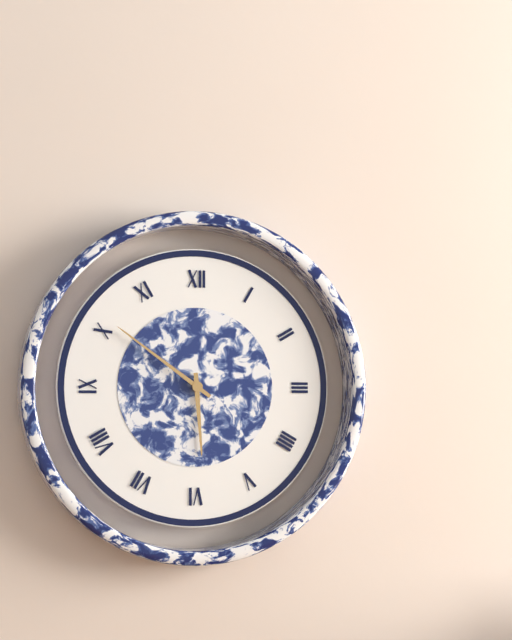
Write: 5:51
